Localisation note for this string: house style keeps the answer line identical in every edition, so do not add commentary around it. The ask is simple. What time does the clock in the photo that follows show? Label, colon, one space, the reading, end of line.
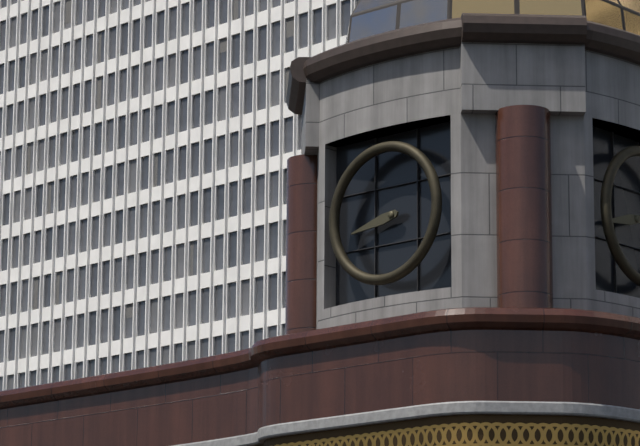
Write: 8:43
